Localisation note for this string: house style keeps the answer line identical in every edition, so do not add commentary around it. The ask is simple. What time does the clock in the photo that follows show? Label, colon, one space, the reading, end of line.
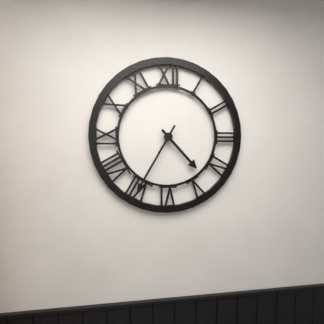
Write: 4:35
